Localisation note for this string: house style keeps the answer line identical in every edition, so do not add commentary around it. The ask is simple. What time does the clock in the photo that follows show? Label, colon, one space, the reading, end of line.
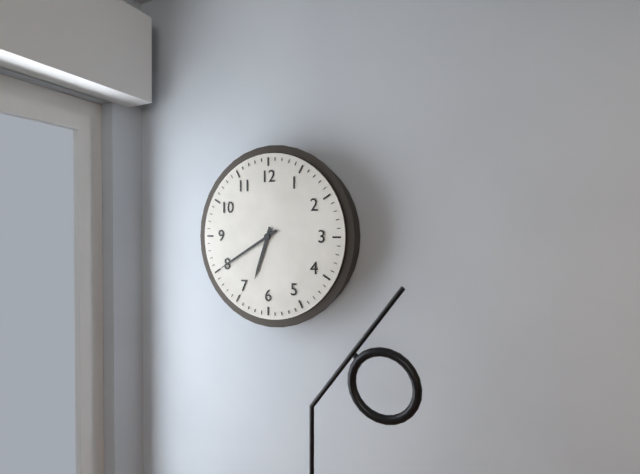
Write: 6:40
